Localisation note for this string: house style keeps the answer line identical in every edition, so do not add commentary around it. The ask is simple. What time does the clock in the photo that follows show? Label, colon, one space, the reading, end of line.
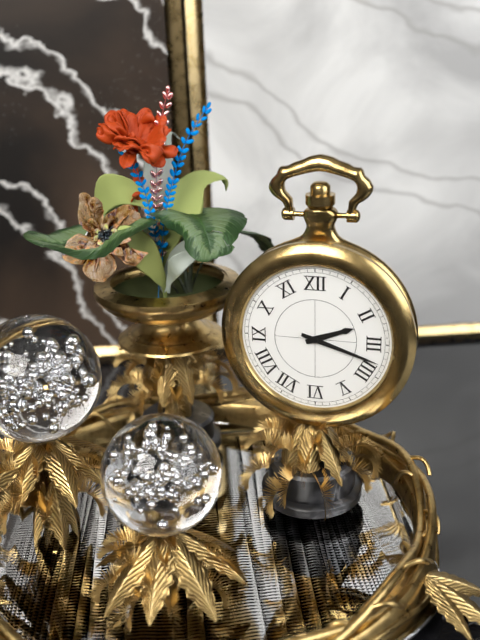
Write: 2:18
